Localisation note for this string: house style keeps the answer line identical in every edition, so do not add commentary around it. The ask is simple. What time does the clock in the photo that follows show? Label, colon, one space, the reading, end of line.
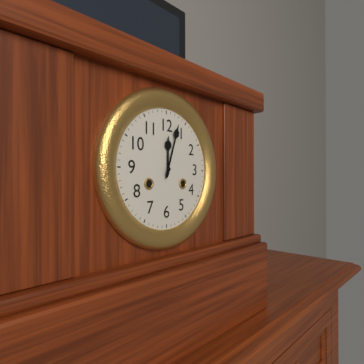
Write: 12:03
